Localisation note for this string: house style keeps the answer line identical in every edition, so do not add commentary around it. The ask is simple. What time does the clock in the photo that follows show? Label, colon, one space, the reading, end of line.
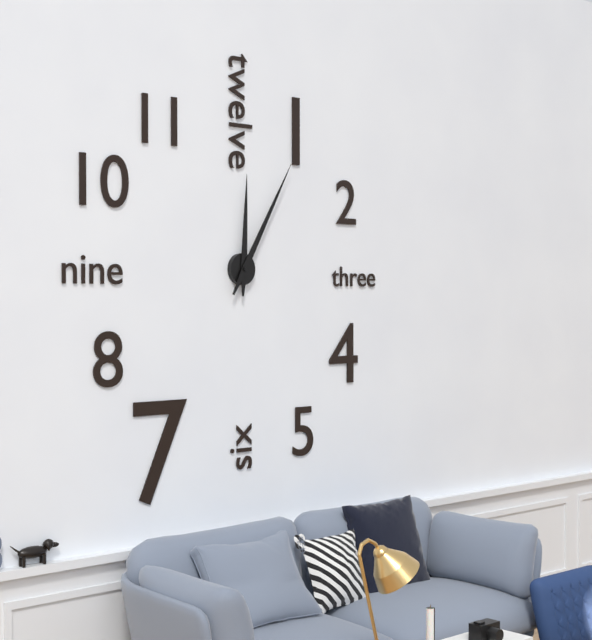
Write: 12:05
